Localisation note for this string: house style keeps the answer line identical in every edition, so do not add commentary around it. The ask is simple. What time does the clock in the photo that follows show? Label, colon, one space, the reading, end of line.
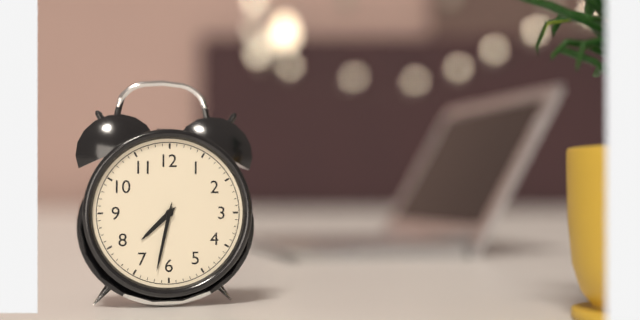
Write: 7:32
